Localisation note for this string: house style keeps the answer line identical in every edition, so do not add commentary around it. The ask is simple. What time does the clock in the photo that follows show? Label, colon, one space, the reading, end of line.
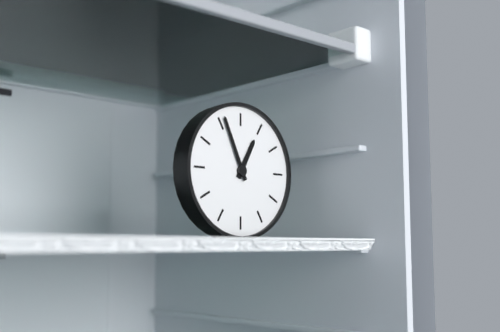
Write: 12:56
